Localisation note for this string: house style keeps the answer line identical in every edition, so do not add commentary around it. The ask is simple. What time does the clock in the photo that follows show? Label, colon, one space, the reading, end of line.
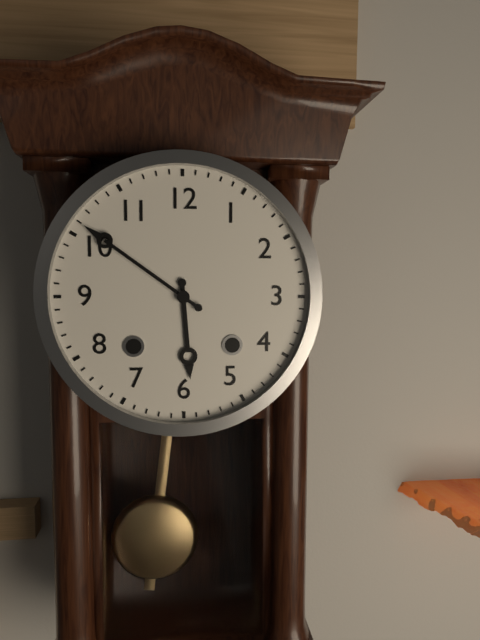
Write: 5:51
